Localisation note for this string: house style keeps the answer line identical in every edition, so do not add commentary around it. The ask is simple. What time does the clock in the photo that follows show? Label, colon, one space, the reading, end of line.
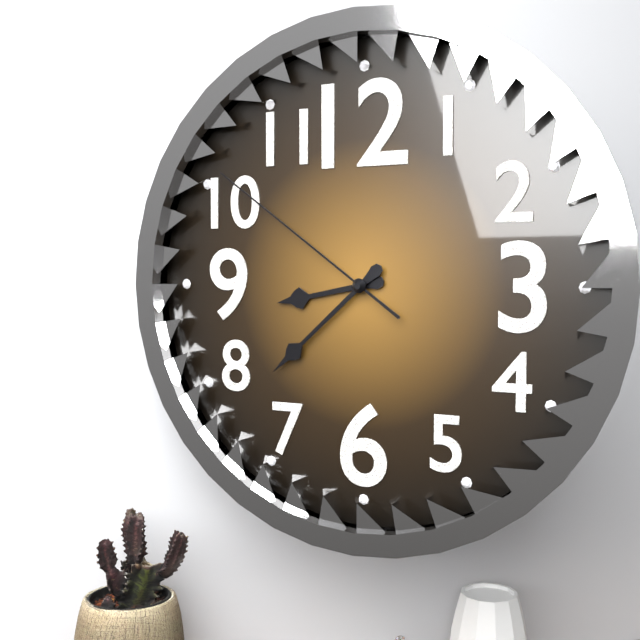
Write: 8:38:51
